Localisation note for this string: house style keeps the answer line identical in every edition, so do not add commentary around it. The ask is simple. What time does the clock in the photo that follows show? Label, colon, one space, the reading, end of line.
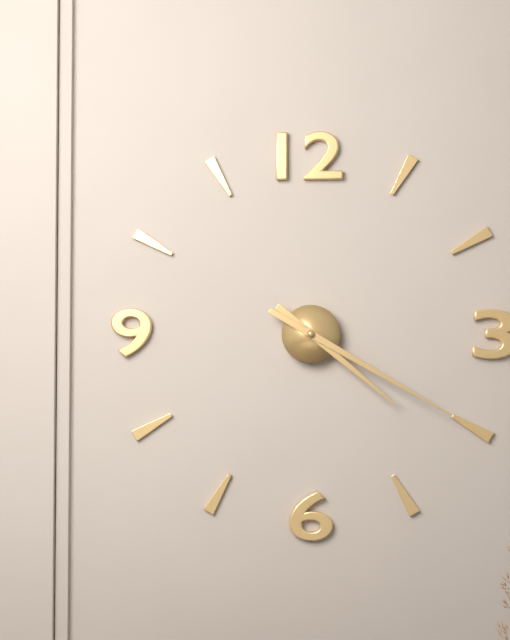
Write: 4:20
